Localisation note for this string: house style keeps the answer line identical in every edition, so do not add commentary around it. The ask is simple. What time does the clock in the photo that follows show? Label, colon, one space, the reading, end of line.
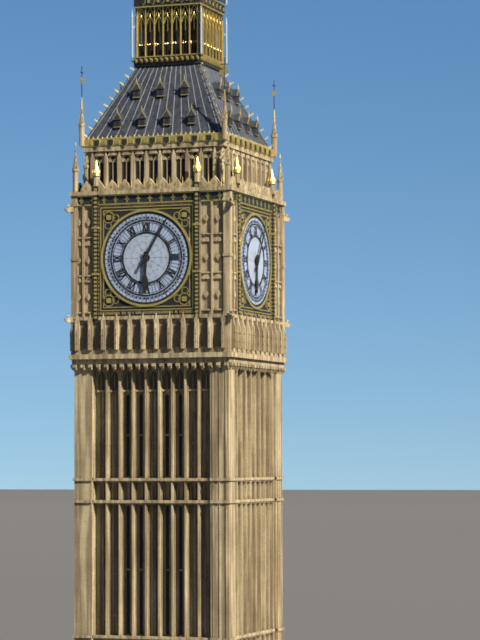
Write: 6:05
